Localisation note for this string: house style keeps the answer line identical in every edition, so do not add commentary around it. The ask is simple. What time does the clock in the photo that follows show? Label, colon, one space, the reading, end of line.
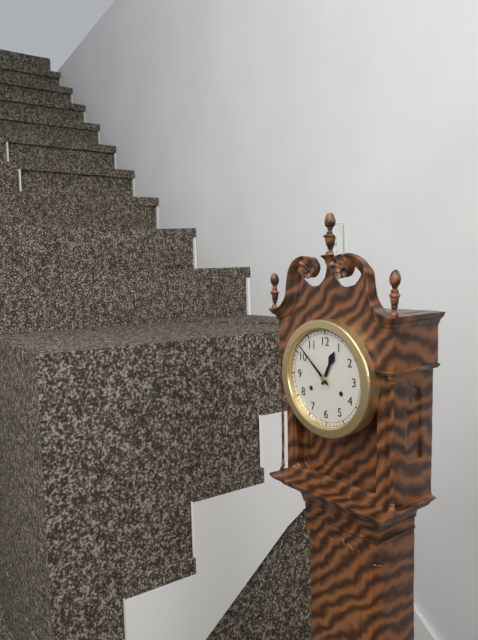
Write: 12:52
